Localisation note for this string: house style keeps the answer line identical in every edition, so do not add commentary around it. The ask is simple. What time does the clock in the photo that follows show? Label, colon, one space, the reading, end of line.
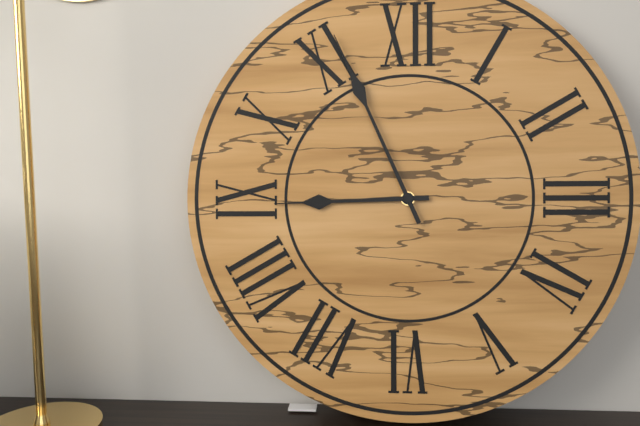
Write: 8:56
